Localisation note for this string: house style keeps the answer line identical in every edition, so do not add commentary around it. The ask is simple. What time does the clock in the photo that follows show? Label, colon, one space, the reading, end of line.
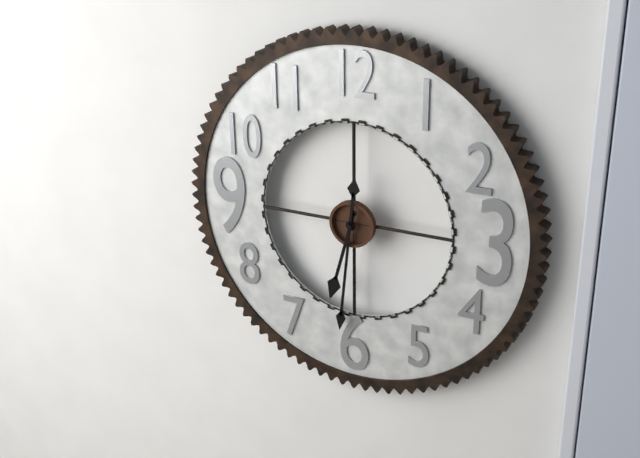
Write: 6:31
